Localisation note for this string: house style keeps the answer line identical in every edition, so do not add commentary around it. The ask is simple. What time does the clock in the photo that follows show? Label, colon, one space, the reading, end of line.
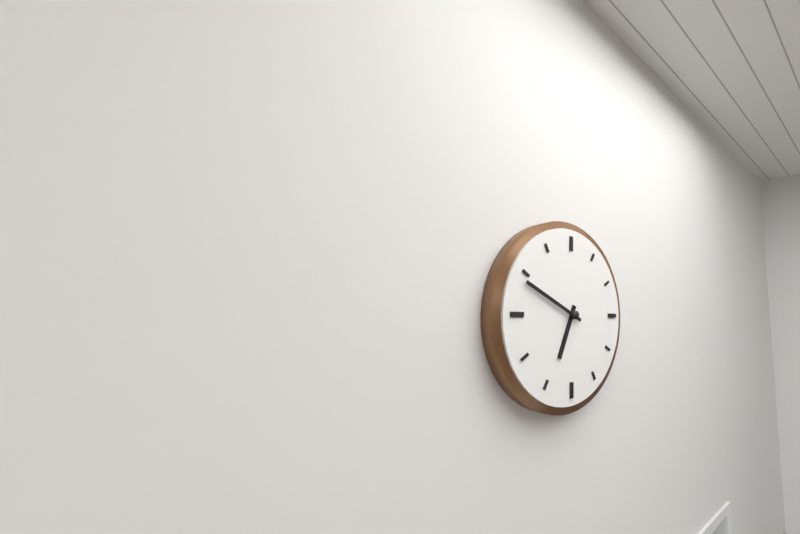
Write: 6:49
